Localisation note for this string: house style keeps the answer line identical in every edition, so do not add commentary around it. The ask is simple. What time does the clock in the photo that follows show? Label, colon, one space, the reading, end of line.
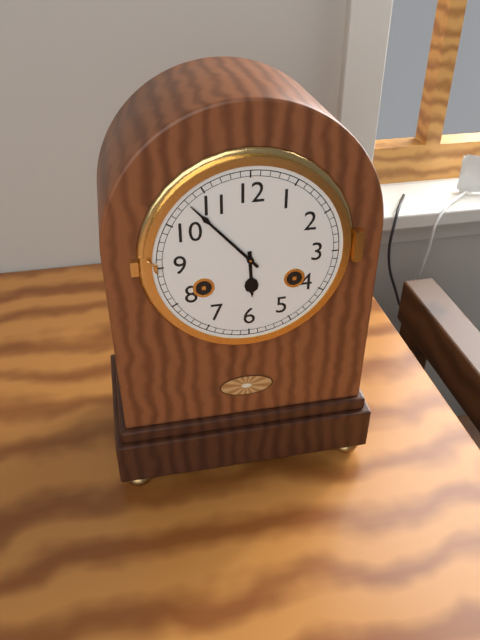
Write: 5:53
